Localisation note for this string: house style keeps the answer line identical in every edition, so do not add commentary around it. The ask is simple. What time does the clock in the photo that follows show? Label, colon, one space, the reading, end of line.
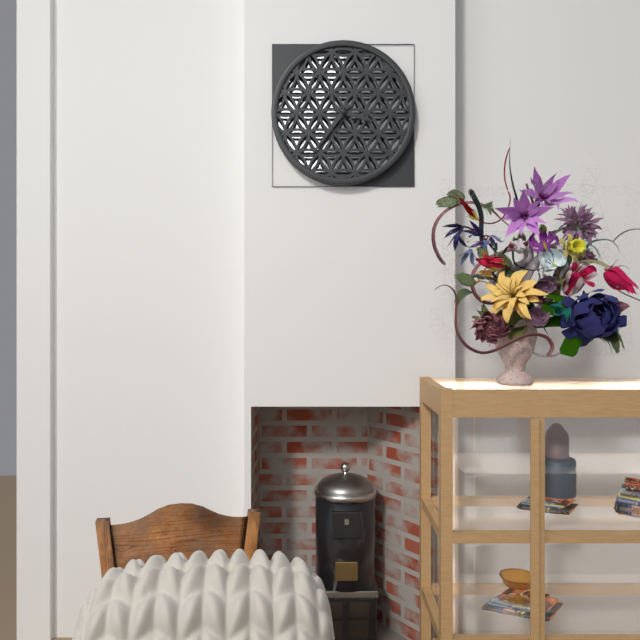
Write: 3:36
